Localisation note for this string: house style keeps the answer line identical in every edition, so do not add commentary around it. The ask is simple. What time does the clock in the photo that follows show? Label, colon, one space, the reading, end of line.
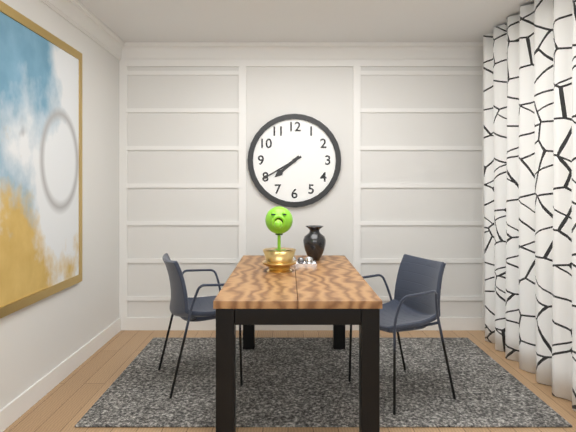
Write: 7:40
